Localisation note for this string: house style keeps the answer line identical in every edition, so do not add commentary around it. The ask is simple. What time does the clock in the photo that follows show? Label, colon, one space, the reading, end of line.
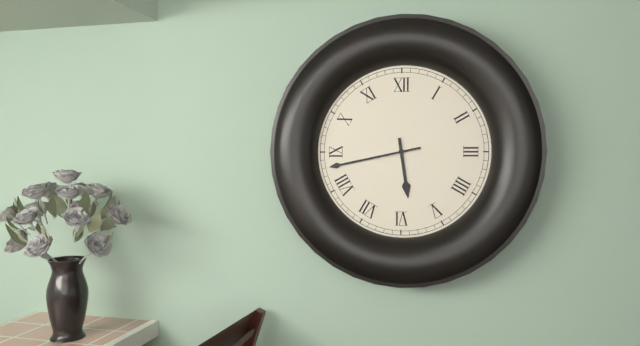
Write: 5:43
